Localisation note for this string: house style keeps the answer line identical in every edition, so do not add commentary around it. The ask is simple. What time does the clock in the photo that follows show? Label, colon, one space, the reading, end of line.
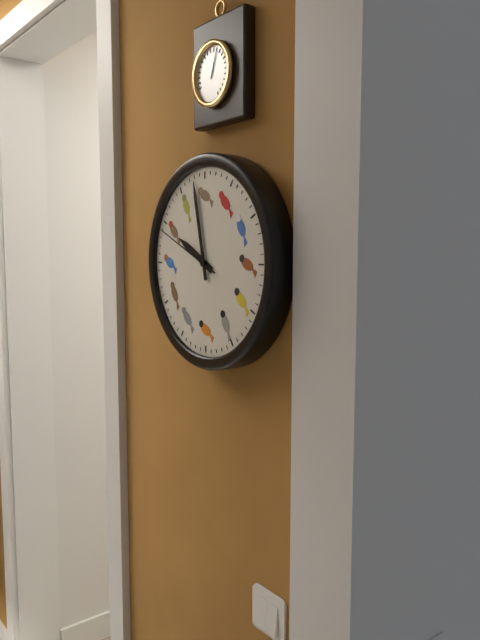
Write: 9:58:49
